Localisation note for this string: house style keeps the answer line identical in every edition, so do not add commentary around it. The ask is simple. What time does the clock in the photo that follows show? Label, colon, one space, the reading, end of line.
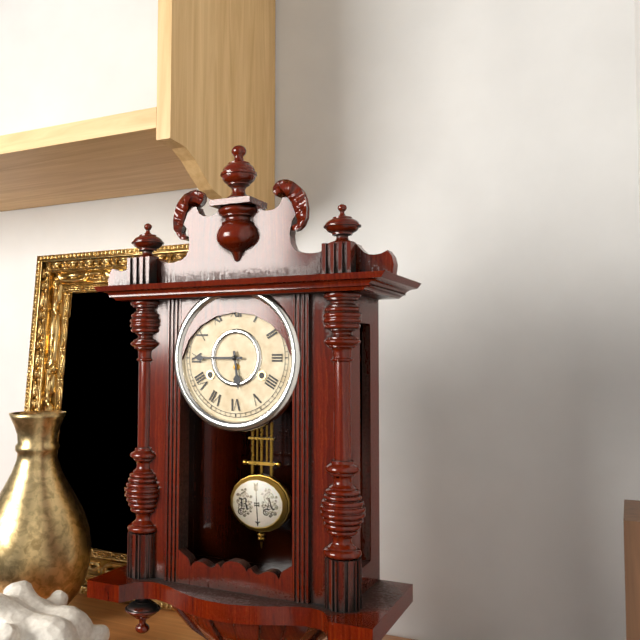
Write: 5:45
